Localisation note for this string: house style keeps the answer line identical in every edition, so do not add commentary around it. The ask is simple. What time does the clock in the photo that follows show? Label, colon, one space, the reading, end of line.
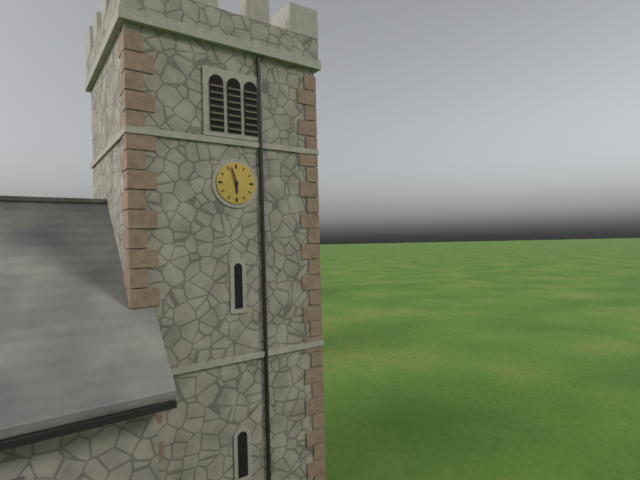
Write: 5:57
